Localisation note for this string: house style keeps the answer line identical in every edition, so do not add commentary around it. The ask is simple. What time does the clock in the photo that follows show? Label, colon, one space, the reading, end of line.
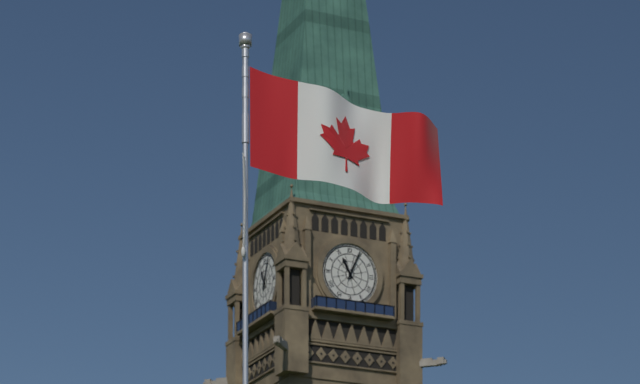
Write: 11:04
